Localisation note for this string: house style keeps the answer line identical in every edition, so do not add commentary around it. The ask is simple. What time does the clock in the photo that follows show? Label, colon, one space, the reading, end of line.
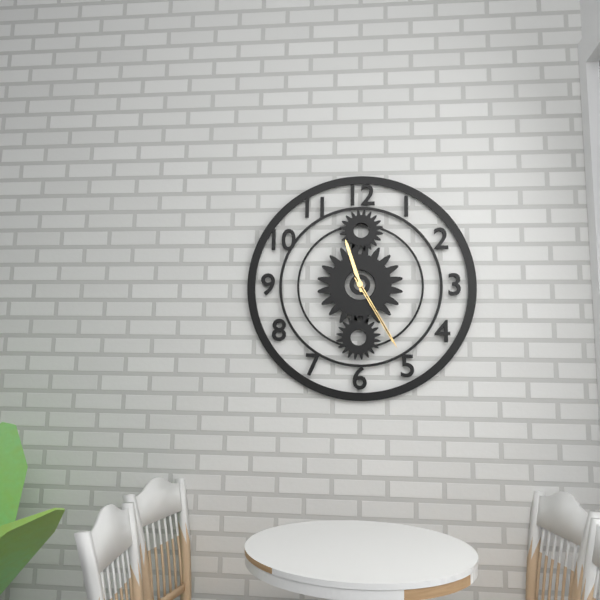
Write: 11:25:25
